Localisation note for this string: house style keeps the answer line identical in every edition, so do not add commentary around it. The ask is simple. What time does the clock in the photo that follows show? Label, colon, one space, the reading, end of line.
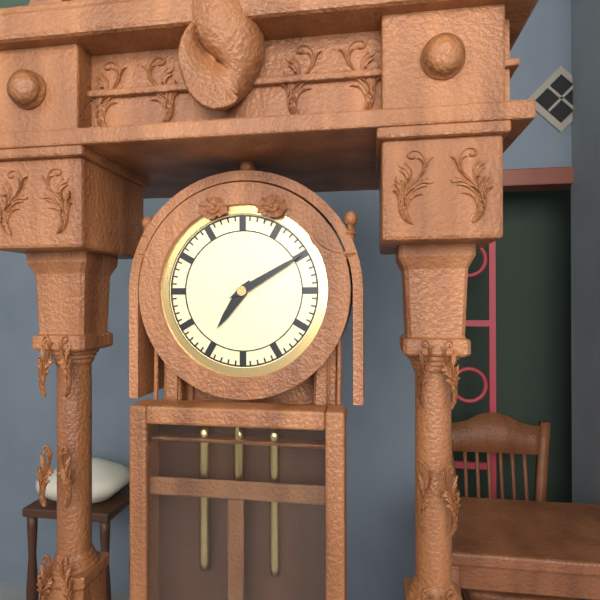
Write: 7:10
